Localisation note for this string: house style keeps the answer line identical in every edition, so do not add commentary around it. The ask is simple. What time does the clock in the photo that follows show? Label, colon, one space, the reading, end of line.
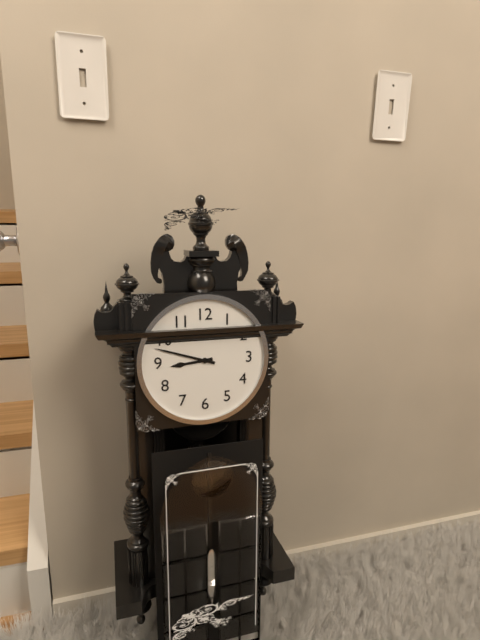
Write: 8:48
